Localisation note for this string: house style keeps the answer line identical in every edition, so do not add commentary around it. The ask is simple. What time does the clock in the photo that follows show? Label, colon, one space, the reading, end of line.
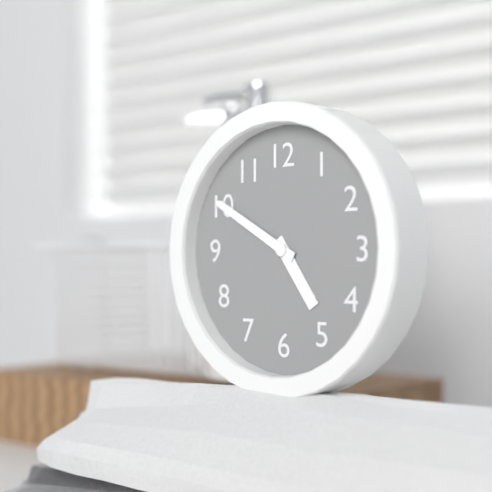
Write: 4:50
